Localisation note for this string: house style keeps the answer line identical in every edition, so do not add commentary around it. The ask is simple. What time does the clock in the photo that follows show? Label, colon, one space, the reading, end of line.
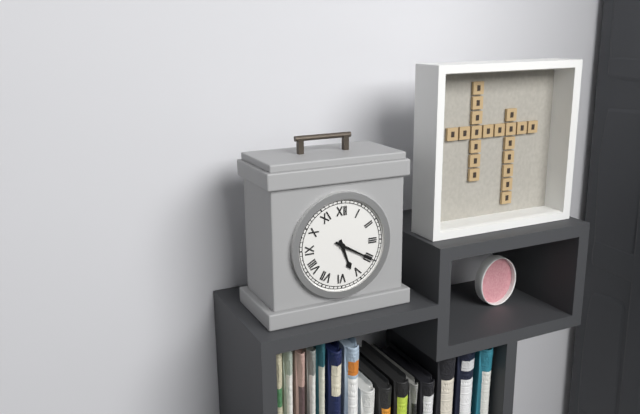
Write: 5:20
